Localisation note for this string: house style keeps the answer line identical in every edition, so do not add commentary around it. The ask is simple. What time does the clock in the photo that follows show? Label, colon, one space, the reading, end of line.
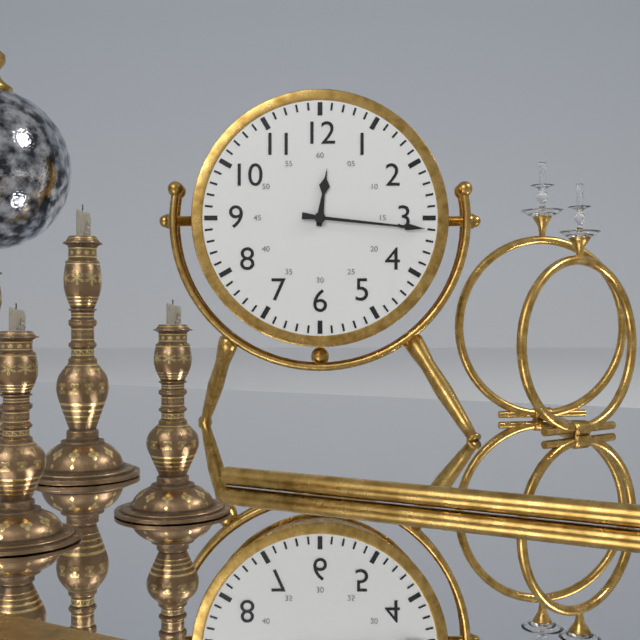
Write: 12:16
